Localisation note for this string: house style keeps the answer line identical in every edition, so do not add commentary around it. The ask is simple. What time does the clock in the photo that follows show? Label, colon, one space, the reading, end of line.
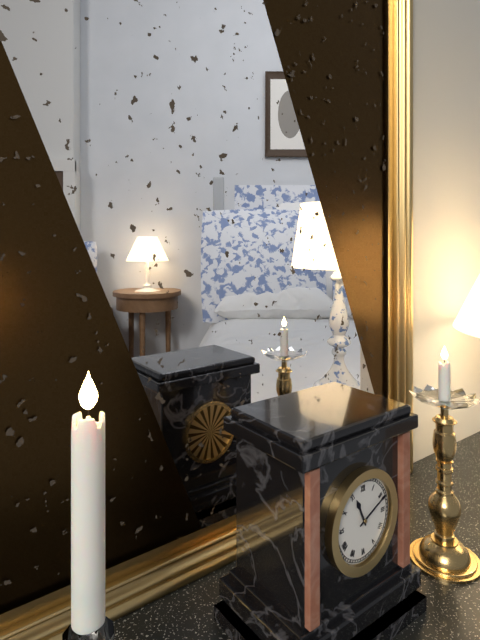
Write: 11:11
